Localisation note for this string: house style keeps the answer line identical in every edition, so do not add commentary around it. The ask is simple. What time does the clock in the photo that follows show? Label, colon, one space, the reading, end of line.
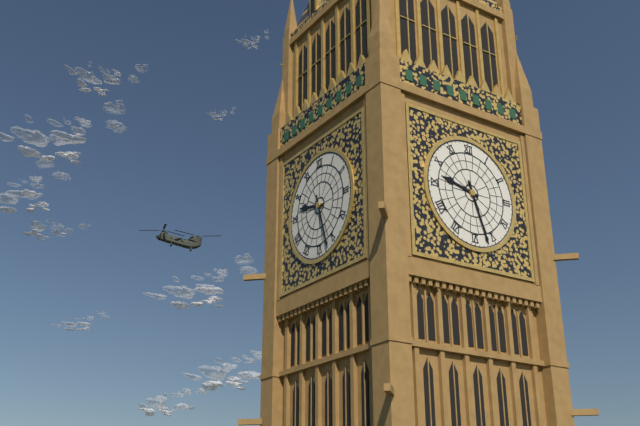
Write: 9:27
